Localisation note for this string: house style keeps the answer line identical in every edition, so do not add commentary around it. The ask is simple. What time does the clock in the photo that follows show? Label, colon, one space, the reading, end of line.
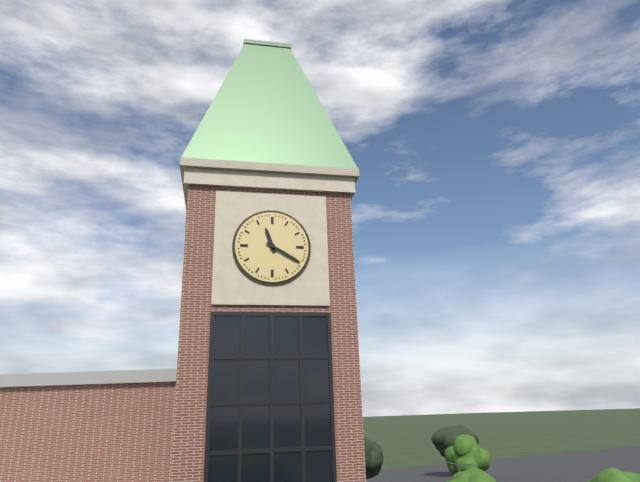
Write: 11:20
